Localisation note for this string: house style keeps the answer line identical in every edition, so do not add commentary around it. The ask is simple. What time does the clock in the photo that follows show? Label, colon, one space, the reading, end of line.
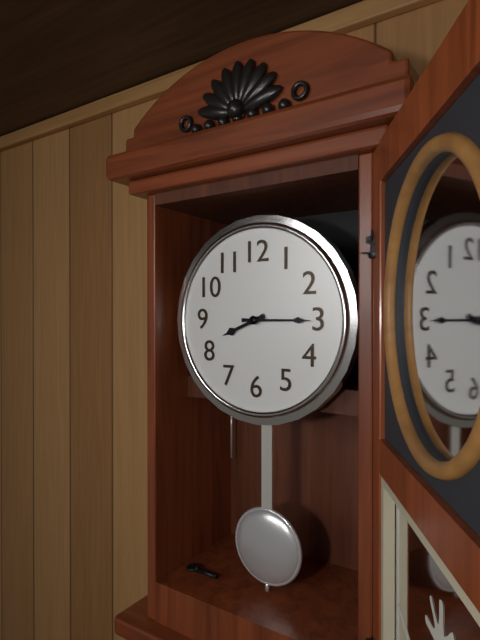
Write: 8:15
